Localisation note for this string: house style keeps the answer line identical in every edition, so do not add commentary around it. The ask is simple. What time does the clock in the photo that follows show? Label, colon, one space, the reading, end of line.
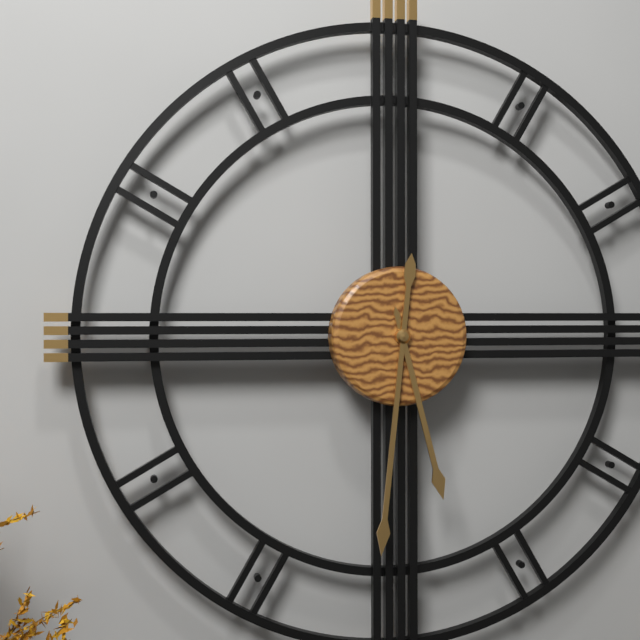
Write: 5:31
